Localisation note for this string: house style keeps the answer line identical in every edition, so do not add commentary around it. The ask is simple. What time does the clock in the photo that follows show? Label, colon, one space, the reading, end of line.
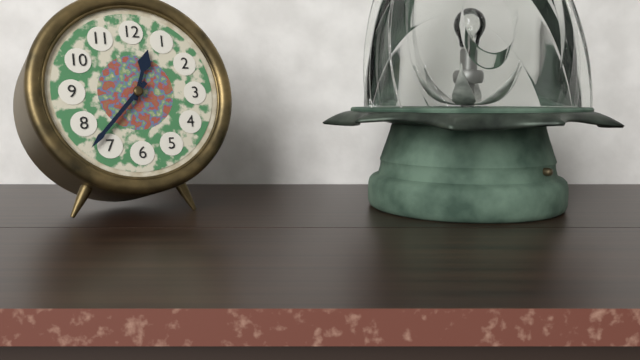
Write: 12:37
